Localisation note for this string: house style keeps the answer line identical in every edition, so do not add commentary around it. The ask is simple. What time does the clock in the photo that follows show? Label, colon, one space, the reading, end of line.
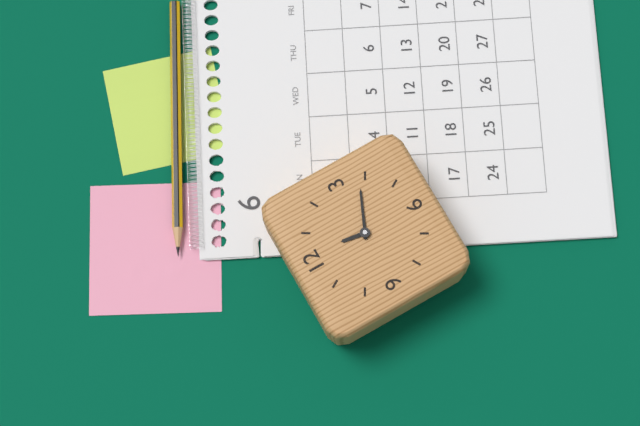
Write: 12:19
